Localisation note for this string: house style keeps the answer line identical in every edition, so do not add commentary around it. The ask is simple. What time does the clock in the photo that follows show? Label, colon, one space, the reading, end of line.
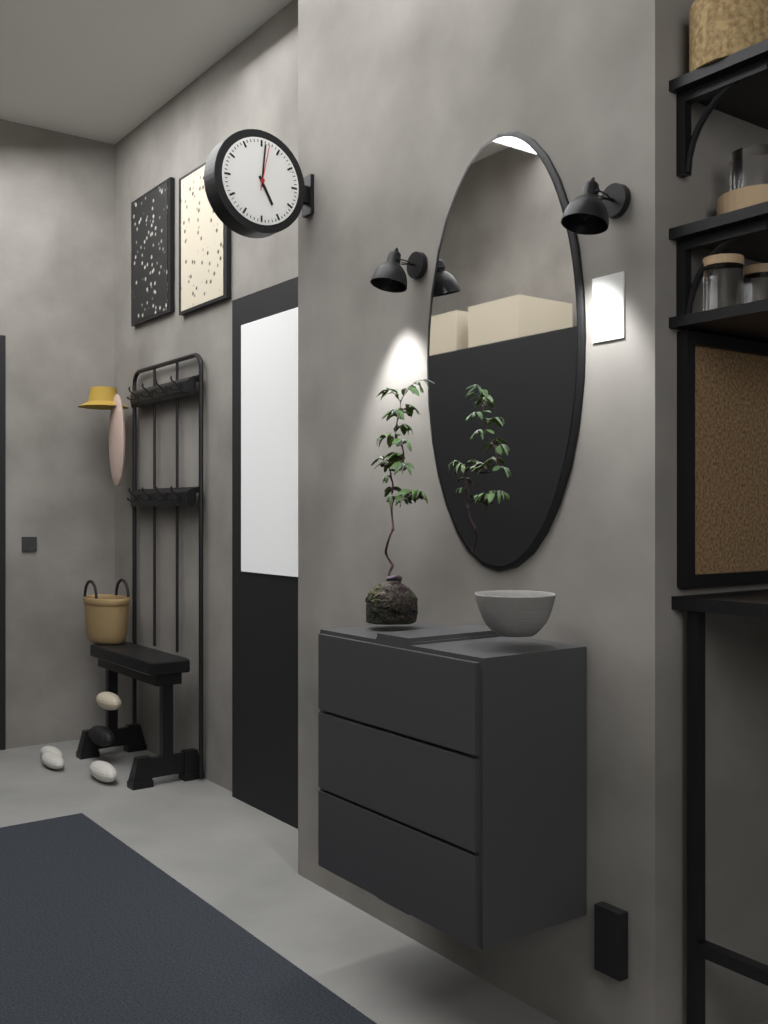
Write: 5:01
